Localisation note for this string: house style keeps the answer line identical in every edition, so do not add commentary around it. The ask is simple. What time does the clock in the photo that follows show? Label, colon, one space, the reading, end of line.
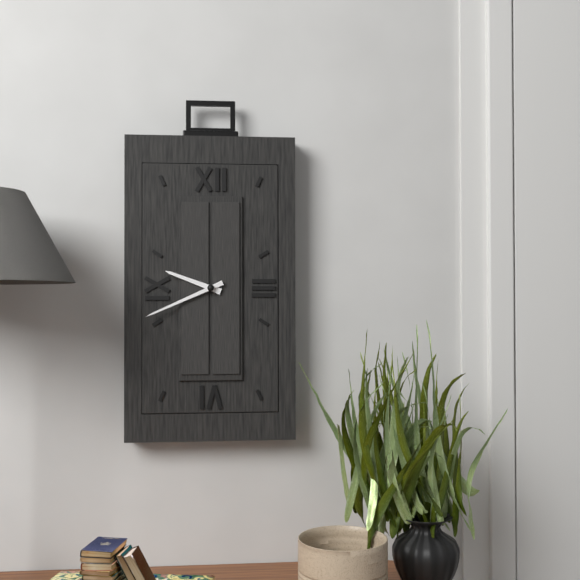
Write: 9:41
